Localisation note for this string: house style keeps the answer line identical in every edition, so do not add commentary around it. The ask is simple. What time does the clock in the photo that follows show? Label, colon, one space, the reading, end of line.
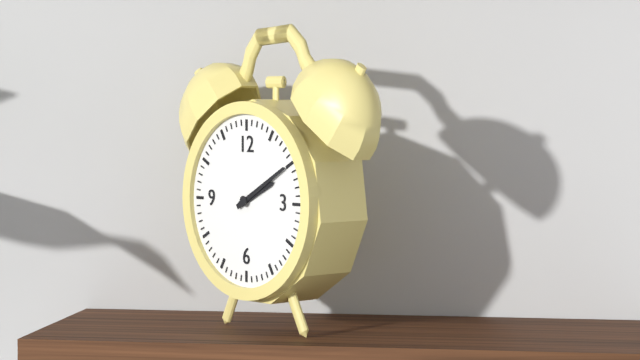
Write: 2:10
